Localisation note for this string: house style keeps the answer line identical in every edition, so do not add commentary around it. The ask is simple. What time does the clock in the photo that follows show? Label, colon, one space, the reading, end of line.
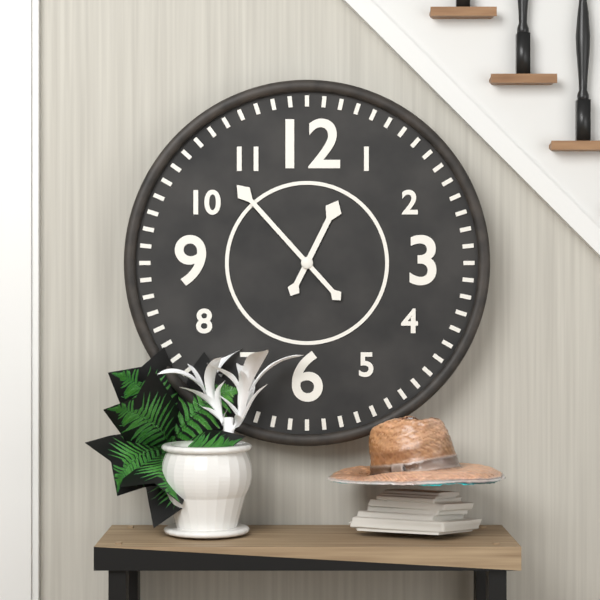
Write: 12:53
